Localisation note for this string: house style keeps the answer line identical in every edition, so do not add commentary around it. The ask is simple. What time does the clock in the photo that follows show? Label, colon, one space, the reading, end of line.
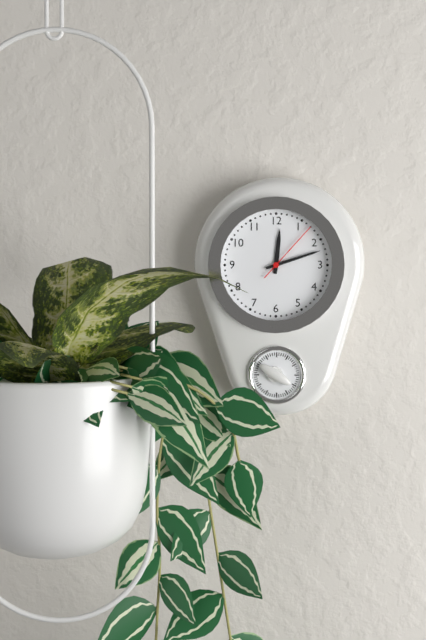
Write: 12:12:07
